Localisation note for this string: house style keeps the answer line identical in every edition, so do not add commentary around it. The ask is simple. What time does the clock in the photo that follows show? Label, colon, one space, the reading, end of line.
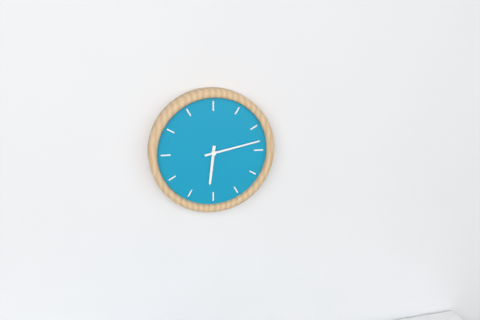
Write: 6:13
